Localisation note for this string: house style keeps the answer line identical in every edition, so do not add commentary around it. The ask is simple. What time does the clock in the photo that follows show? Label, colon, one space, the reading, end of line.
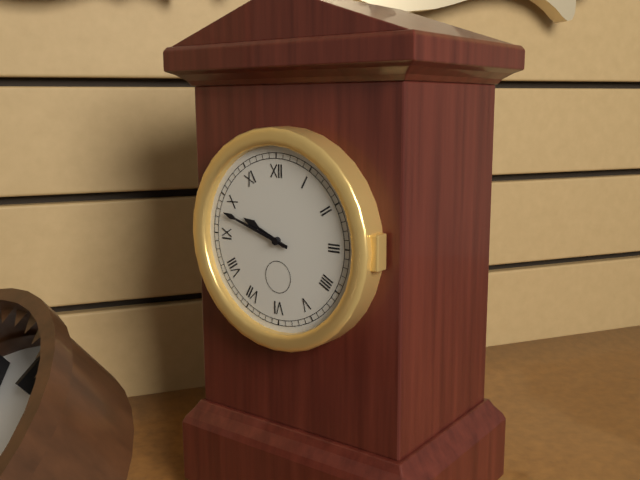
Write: 9:48
